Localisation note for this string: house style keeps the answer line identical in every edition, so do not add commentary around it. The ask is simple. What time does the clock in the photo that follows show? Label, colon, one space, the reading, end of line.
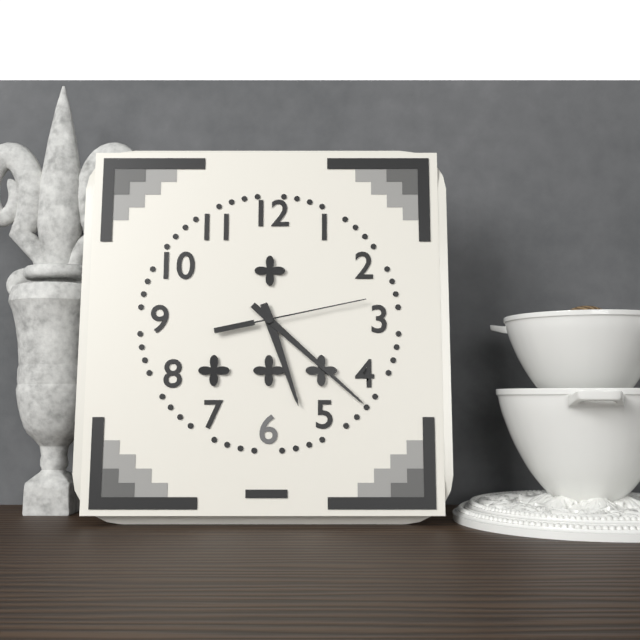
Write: 5:22:13
